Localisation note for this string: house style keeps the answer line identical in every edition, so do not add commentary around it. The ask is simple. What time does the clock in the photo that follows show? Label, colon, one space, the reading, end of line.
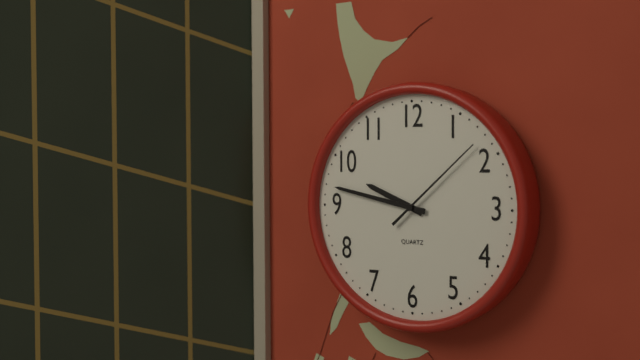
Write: 9:47:08
